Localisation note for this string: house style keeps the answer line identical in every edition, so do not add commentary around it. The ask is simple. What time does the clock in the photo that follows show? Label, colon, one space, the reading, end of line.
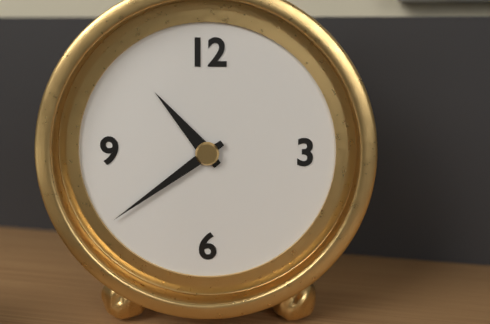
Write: 10:39
